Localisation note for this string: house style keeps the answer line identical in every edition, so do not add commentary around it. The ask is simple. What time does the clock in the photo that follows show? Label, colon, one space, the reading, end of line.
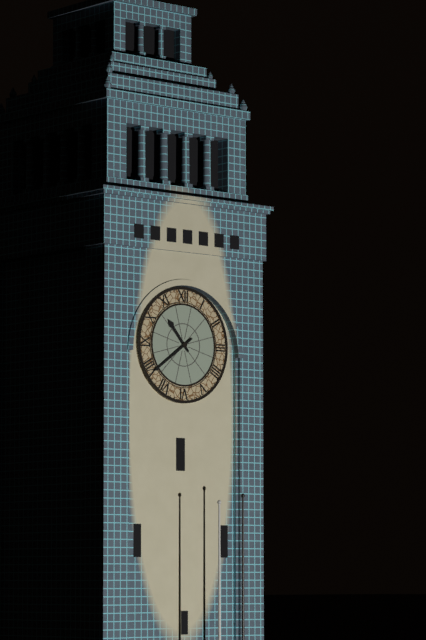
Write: 10:39
